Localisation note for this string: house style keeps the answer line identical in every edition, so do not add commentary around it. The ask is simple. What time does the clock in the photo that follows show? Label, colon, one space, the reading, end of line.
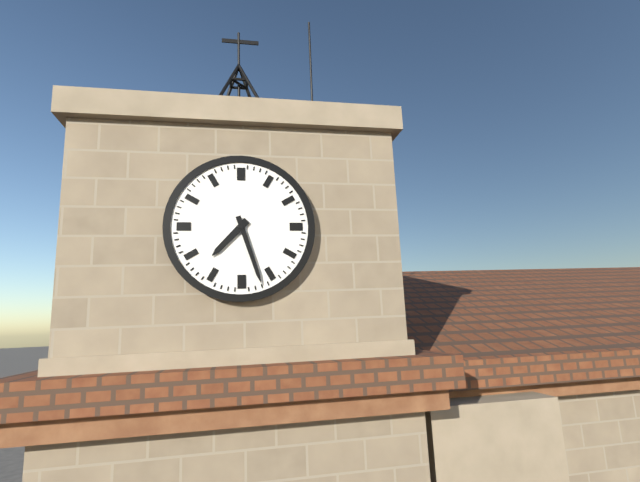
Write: 7:27
